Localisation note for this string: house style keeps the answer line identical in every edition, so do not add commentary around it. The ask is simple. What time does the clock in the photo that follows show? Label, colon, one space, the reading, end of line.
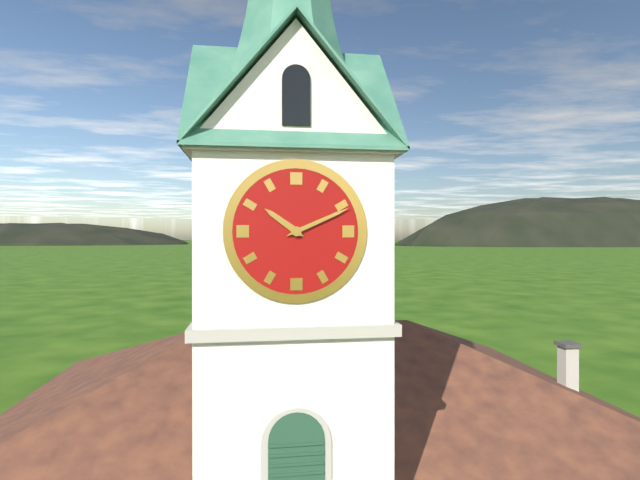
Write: 10:11
